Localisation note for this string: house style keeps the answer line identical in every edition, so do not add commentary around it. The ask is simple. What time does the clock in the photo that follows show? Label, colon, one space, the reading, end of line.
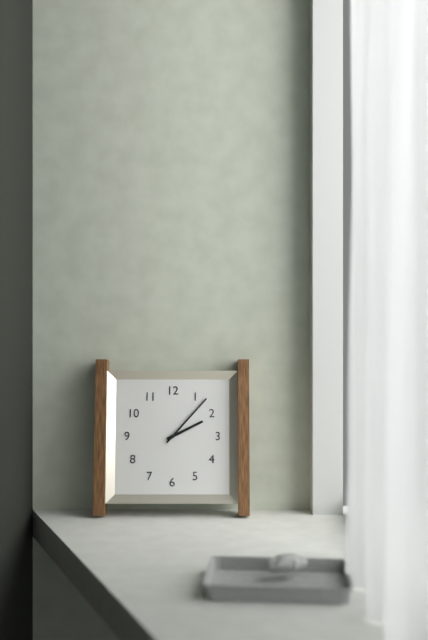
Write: 2:07
